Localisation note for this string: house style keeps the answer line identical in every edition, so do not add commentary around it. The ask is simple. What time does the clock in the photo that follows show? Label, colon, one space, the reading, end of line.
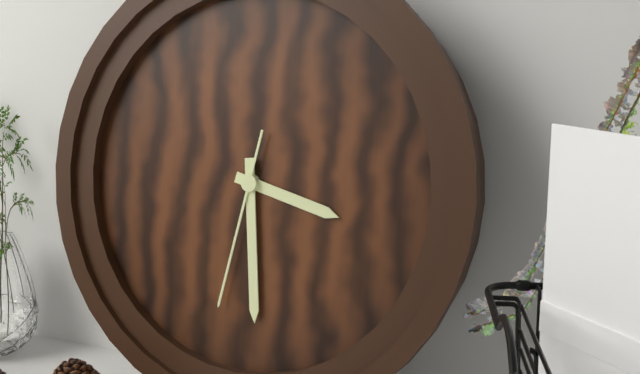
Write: 3:29:32
